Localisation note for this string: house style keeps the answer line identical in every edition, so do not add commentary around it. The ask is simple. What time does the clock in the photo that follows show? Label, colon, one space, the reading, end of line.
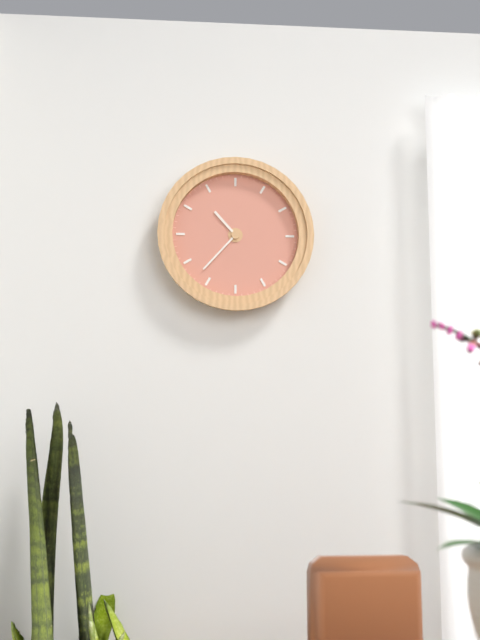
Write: 10:37
